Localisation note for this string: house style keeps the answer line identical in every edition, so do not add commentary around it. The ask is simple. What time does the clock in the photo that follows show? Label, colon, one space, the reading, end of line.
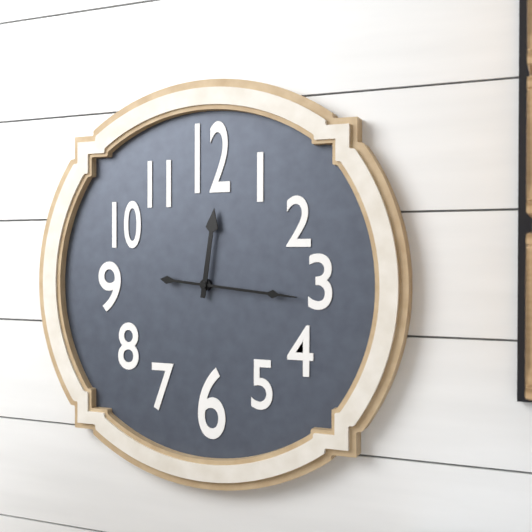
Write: 12:16
